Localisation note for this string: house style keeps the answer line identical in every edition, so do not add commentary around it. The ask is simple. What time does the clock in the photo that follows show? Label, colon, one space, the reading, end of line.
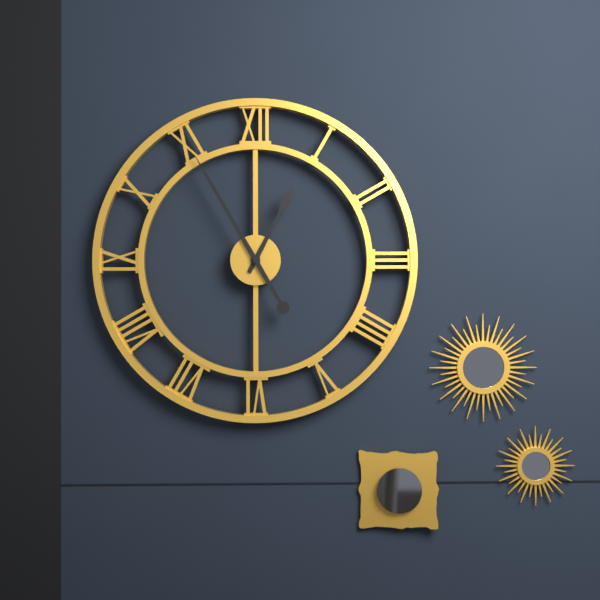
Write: 12:55
